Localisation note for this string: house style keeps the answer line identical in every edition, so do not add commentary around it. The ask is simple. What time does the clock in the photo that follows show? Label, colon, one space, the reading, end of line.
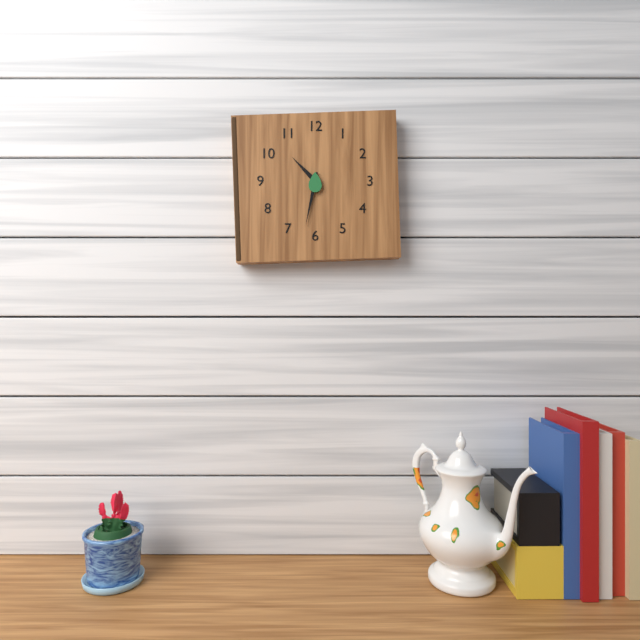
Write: 10:32
